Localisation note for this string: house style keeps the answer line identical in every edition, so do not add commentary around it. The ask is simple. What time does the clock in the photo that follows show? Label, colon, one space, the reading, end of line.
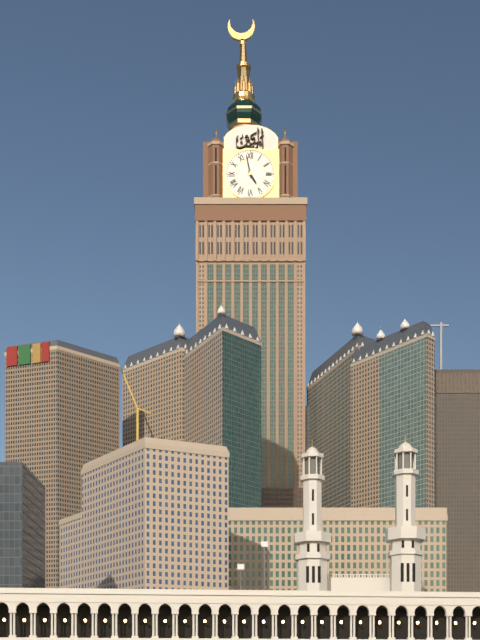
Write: 4:58
